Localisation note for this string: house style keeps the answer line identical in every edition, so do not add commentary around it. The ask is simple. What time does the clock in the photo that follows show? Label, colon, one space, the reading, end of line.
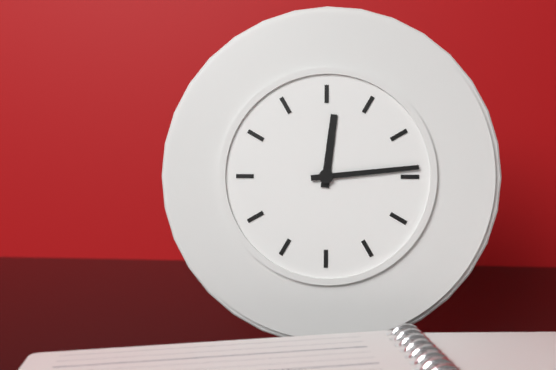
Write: 12:14
